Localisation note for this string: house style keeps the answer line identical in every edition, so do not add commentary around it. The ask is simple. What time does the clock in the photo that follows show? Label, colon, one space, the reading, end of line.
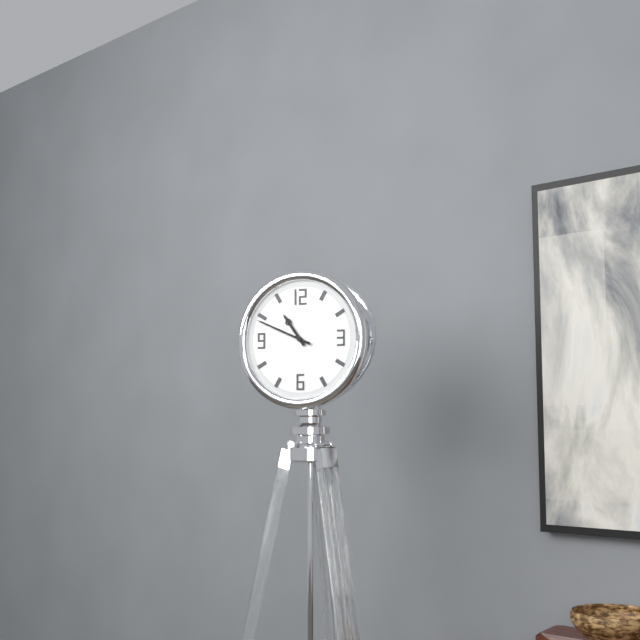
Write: 10:49
